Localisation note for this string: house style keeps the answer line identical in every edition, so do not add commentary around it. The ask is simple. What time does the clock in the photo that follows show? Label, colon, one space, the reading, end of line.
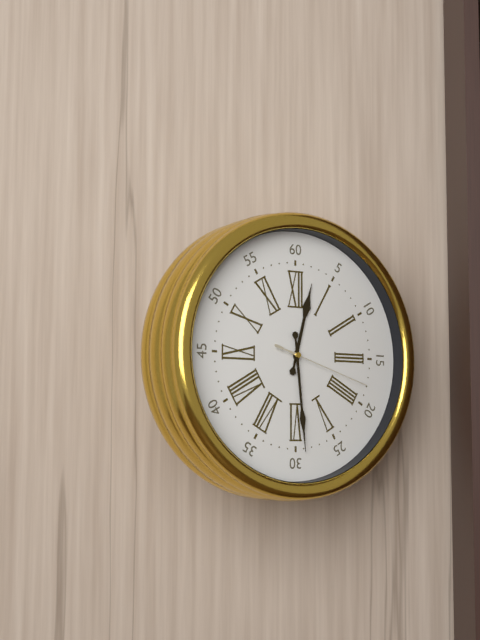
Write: 12:29:18
